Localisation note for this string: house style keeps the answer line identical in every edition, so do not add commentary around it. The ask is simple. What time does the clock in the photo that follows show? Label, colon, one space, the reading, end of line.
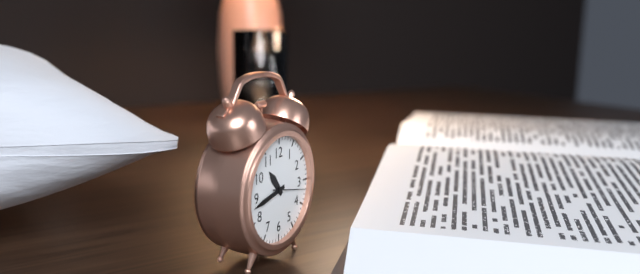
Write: 10:43
